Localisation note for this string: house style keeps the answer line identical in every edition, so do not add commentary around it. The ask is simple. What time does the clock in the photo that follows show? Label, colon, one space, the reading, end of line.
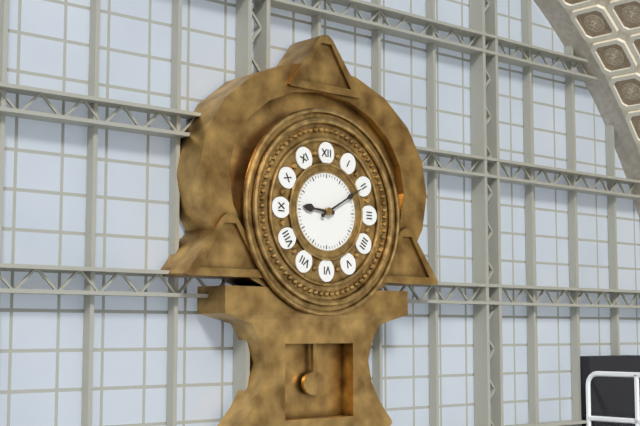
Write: 9:10
